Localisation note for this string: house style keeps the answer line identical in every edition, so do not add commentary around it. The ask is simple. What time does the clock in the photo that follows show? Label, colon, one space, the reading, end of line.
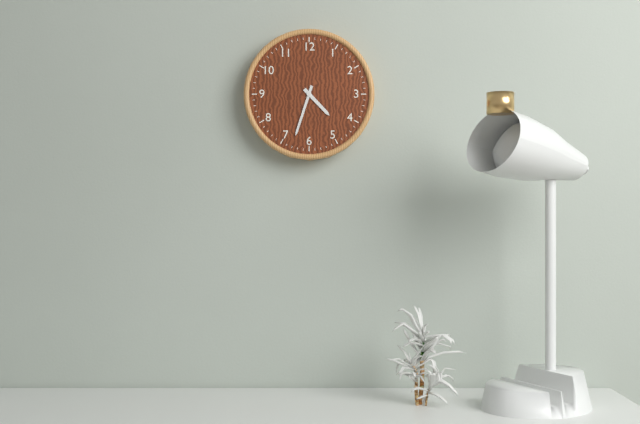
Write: 4:33
